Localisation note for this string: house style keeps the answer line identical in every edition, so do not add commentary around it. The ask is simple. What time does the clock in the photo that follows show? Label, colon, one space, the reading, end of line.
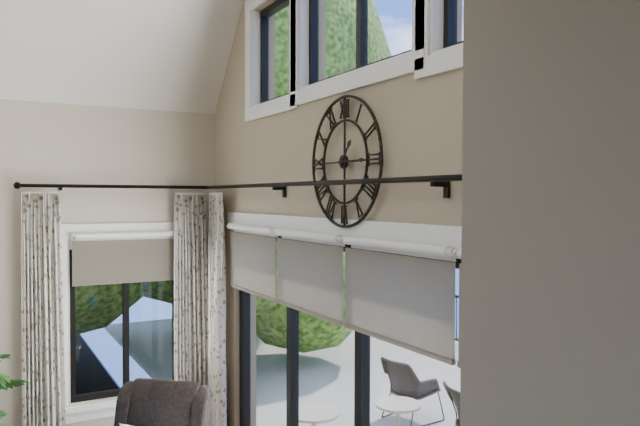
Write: 1:15
